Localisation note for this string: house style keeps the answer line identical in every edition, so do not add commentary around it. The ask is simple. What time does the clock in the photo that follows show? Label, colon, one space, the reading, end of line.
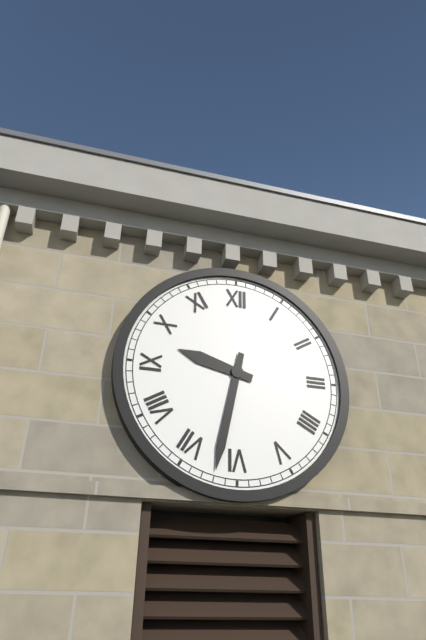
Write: 9:32
